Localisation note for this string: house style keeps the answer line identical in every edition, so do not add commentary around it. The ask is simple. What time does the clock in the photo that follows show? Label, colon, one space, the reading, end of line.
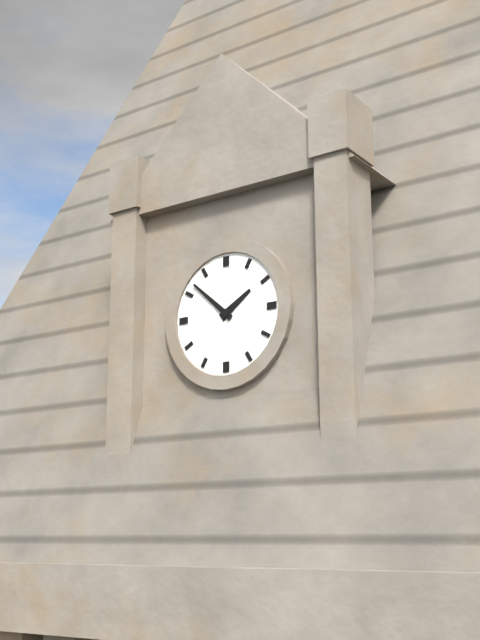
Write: 1:52
